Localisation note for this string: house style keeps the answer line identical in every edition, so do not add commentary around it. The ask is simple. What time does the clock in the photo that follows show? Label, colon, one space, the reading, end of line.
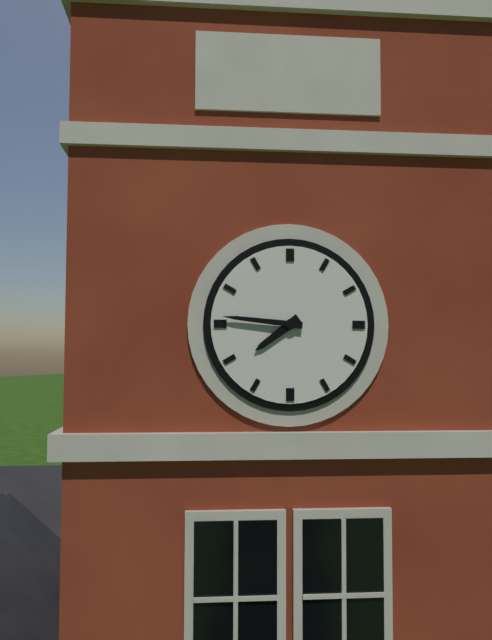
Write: 7:46
